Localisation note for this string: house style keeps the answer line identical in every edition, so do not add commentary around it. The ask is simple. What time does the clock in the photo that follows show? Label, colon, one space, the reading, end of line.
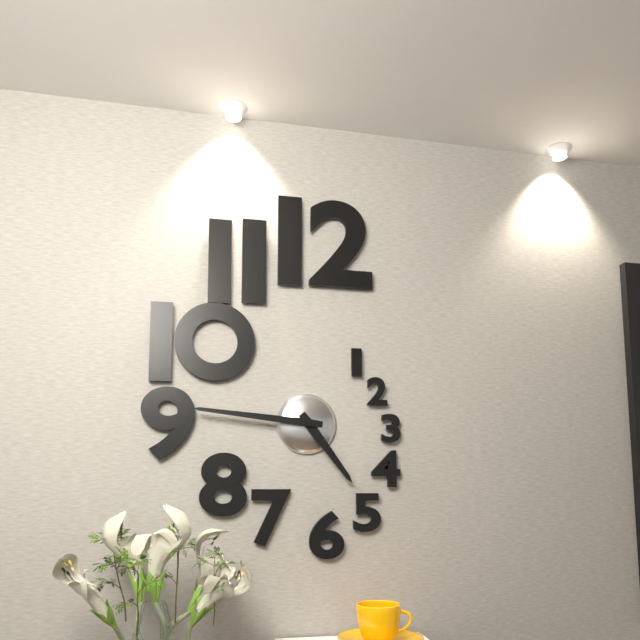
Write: 4:46
